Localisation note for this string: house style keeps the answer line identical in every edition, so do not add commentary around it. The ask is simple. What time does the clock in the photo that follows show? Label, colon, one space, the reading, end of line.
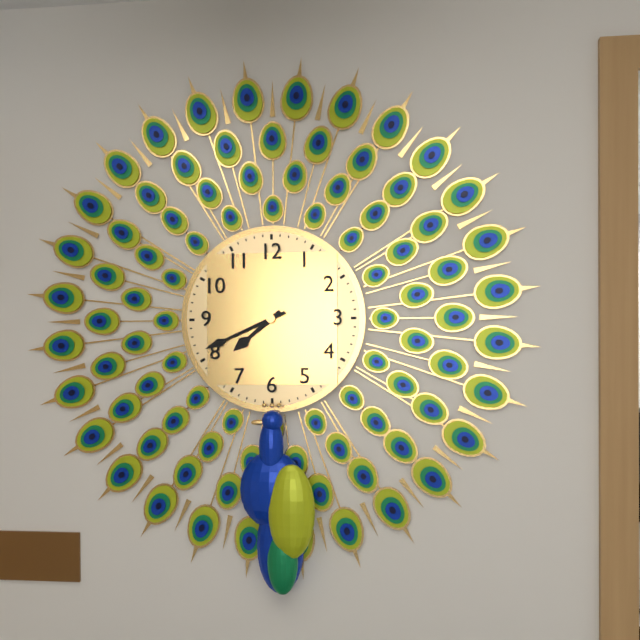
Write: 7:41
